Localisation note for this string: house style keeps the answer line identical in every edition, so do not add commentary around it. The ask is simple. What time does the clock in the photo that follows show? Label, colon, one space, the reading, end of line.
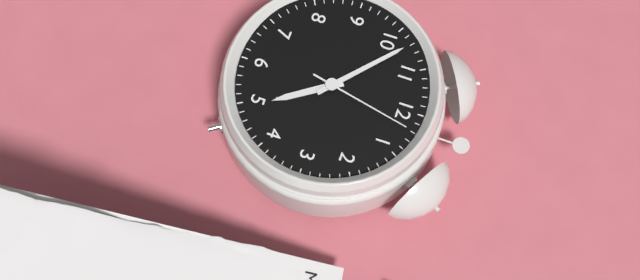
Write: 4:52:02
